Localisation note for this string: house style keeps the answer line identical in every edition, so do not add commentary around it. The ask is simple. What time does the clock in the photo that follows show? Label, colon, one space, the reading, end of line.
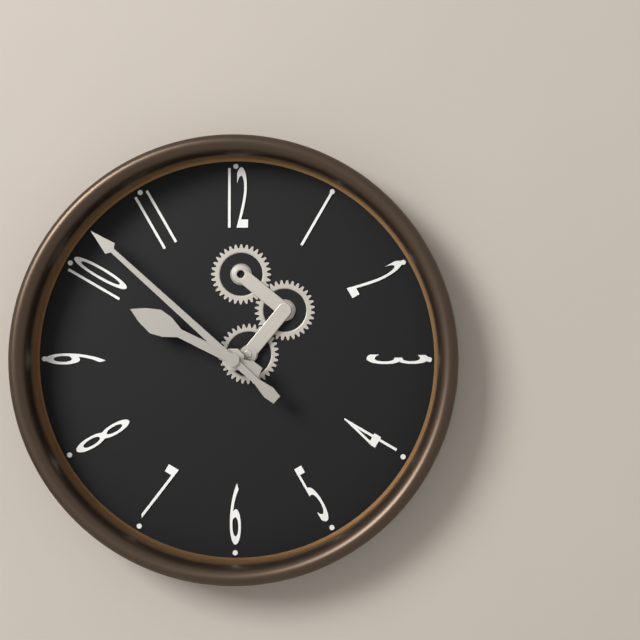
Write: 9:52
